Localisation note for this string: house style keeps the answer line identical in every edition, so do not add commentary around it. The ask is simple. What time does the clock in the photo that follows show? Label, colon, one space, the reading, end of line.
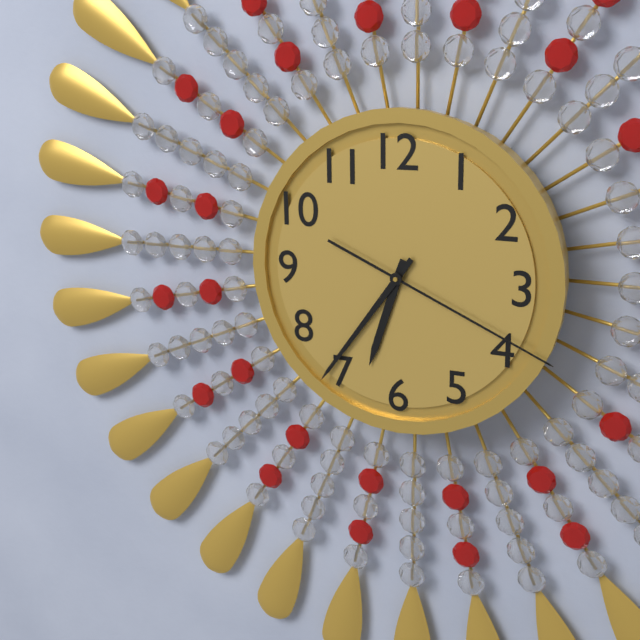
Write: 6:36:19
